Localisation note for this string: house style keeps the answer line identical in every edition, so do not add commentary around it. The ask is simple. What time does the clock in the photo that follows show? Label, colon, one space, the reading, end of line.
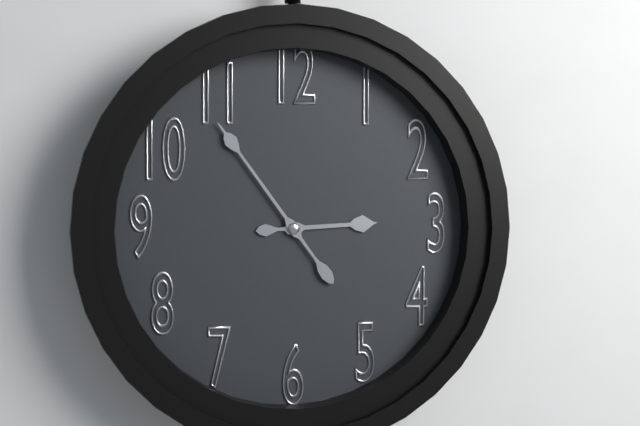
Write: 2:54
